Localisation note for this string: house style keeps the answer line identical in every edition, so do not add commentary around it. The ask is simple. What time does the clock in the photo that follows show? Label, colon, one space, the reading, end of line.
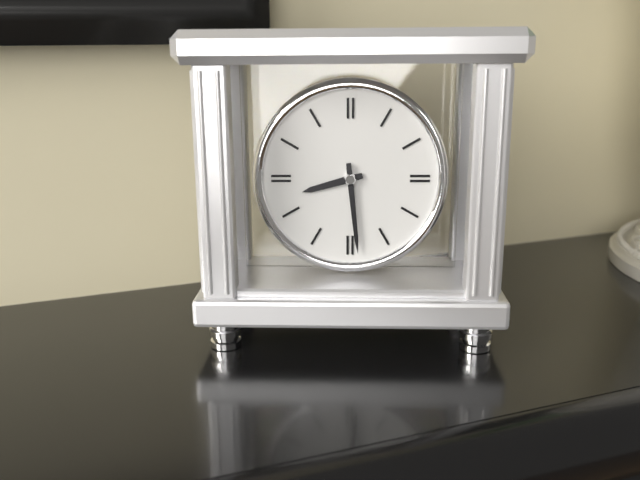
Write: 8:29
